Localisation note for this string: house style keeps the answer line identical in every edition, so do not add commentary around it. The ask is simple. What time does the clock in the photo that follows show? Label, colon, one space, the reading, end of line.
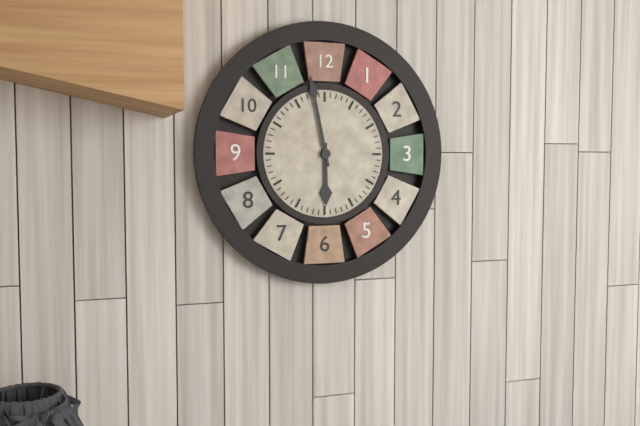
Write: 5:58
